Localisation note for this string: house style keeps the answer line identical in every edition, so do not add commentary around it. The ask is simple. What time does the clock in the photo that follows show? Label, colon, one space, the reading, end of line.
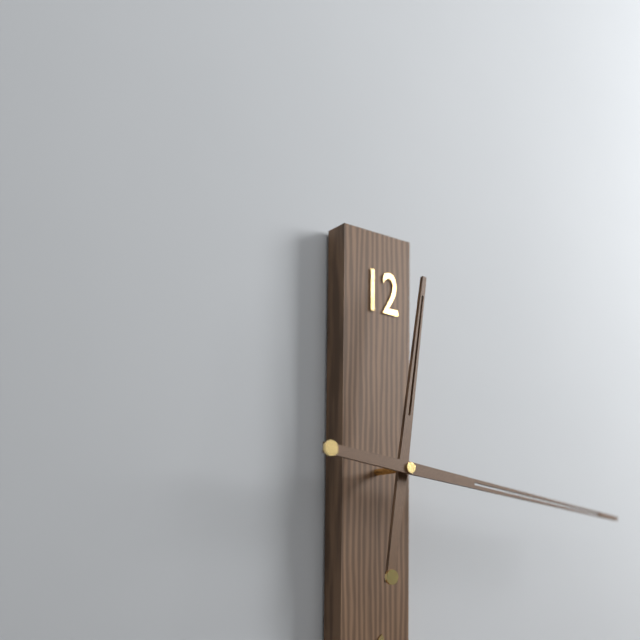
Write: 12:16
